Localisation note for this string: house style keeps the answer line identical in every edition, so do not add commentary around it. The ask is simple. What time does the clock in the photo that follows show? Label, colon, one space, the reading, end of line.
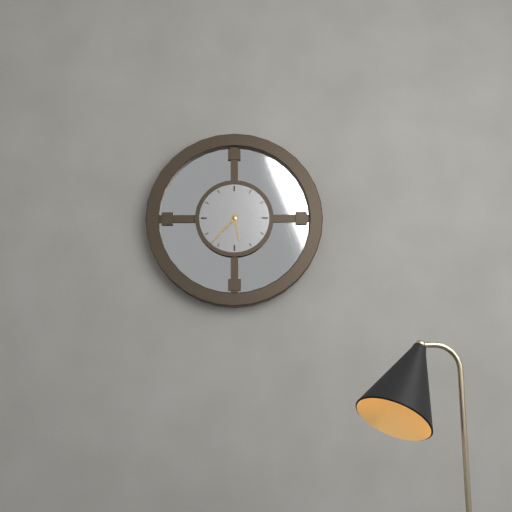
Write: 5:37
